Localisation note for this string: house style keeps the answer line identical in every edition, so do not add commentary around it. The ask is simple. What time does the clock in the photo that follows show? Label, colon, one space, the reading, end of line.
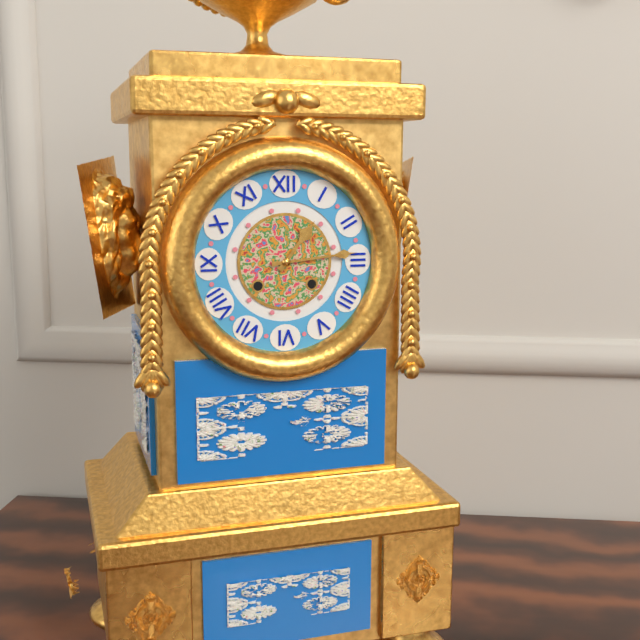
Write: 1:14
